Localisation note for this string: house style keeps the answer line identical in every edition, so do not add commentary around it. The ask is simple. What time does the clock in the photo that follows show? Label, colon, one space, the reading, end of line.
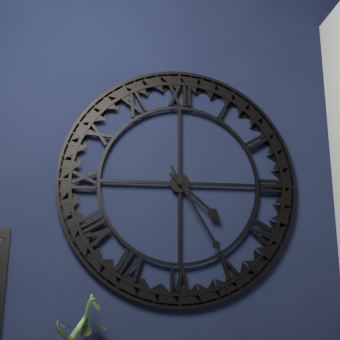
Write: 4:25
